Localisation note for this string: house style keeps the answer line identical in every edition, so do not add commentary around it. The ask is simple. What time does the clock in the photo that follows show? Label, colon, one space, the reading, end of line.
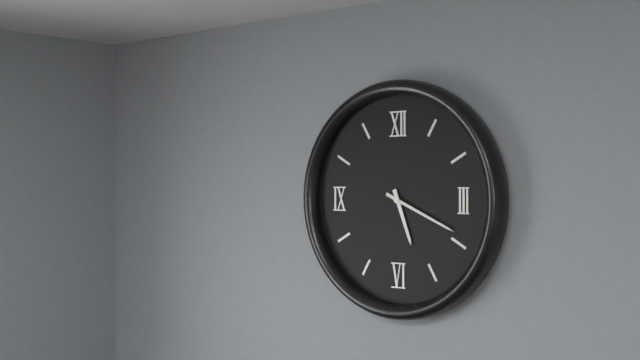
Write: 5:19
